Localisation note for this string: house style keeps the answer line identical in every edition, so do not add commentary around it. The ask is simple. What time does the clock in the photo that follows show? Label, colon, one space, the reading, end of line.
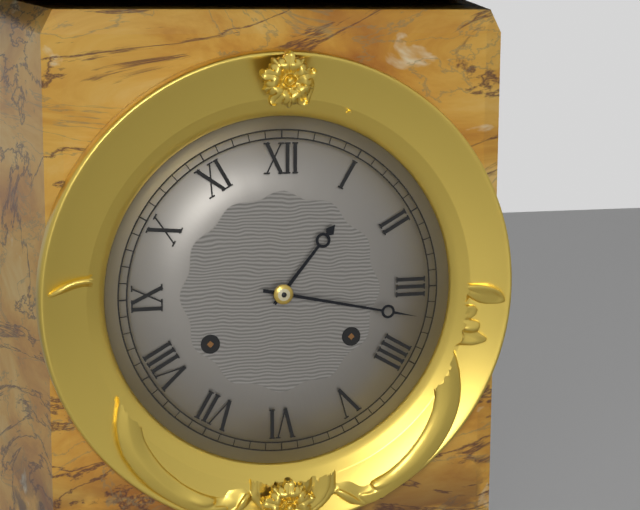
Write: 1:17
